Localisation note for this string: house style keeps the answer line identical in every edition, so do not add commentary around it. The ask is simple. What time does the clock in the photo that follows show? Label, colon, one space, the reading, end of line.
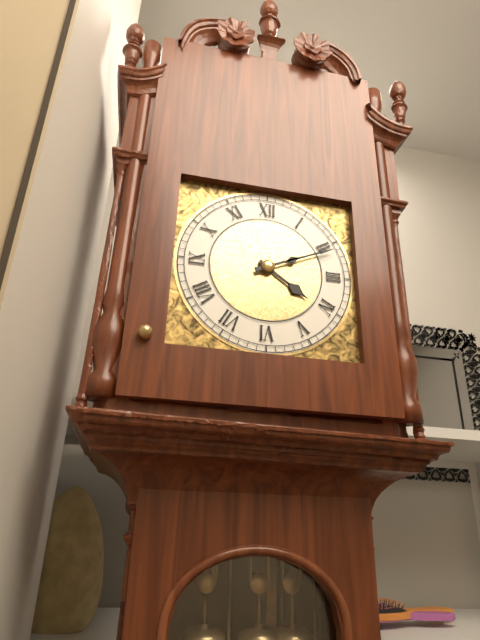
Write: 4:11
